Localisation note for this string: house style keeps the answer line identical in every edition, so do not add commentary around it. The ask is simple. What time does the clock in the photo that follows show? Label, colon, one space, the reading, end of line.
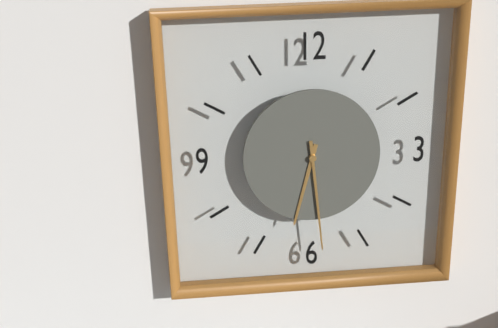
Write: 6:29
